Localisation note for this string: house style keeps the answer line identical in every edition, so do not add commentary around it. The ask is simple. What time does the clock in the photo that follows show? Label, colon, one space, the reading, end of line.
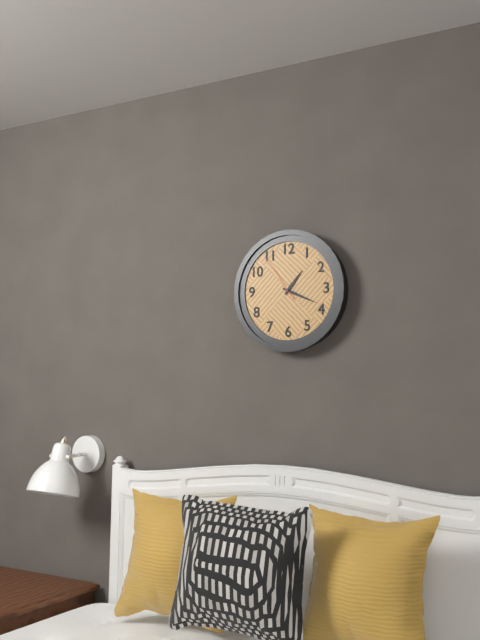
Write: 1:19:54
